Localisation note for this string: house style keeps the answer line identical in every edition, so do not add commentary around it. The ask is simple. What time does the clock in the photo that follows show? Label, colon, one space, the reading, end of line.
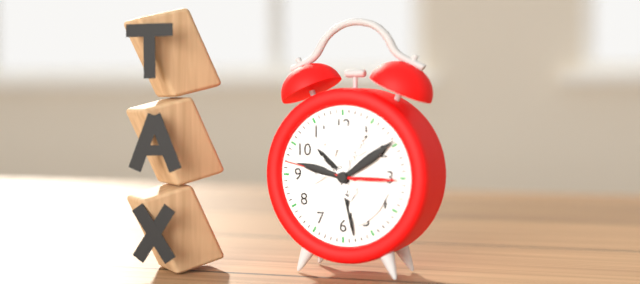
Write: 10:28:47
